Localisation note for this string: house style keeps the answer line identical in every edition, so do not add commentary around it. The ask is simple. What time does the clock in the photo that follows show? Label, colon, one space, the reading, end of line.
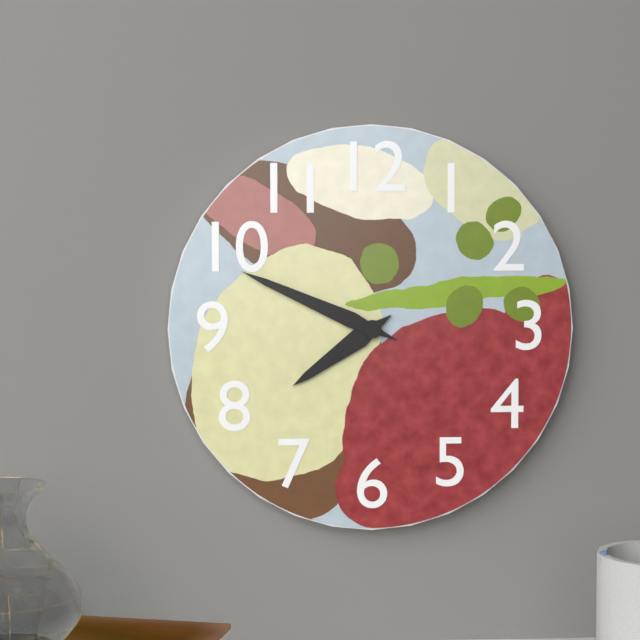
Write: 7:49
